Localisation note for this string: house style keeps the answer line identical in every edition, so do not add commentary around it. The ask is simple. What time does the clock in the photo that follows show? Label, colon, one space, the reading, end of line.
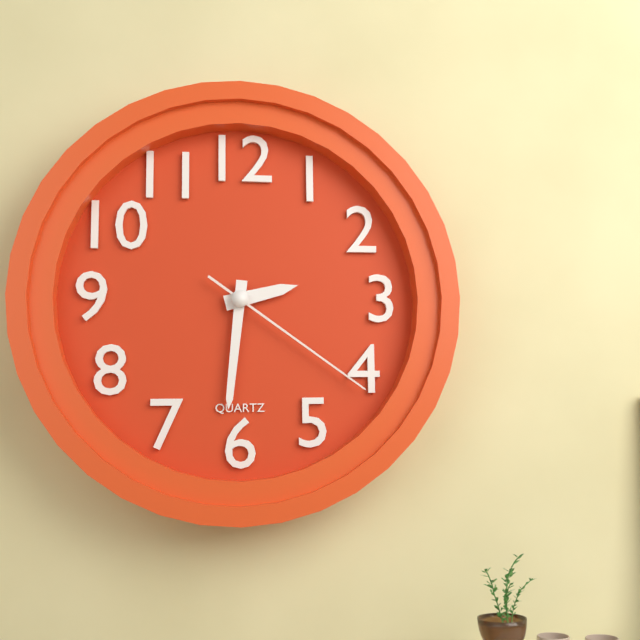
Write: 2:31:21
